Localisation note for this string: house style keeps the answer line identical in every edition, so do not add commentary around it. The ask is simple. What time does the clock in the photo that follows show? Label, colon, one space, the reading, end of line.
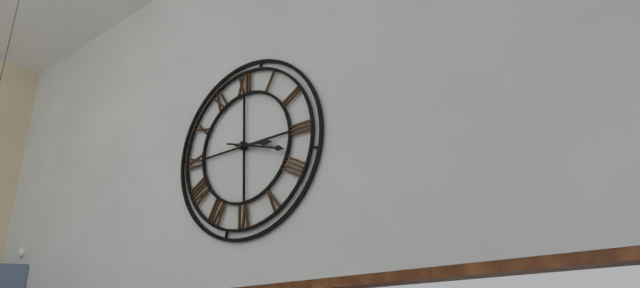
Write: 3:18
